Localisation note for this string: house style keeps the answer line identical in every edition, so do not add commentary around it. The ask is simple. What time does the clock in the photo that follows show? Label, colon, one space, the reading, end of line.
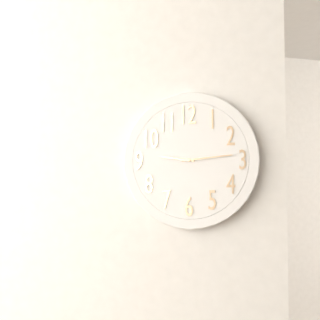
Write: 9:14
